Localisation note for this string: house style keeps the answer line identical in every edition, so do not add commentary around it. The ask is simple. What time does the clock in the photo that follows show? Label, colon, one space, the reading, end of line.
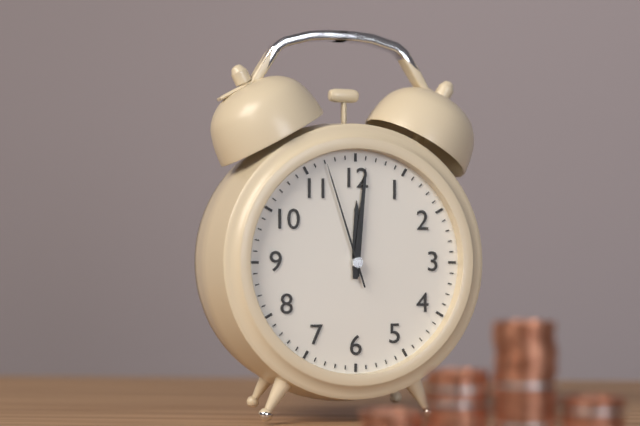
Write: 12:01:57
